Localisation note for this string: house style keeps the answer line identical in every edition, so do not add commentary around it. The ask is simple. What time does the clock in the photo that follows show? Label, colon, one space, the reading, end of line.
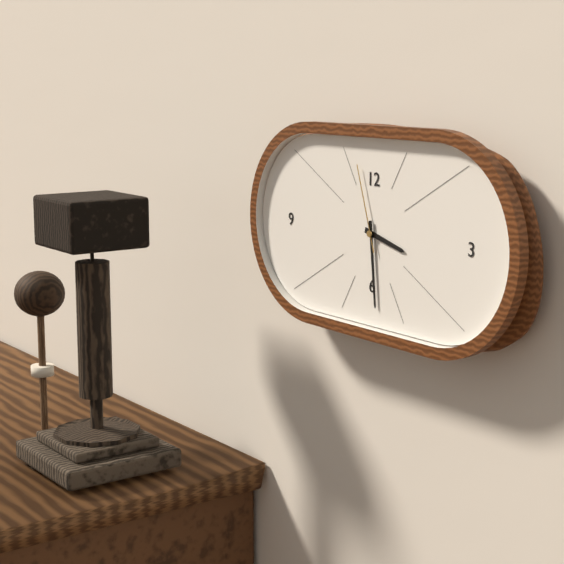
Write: 3:29:57
